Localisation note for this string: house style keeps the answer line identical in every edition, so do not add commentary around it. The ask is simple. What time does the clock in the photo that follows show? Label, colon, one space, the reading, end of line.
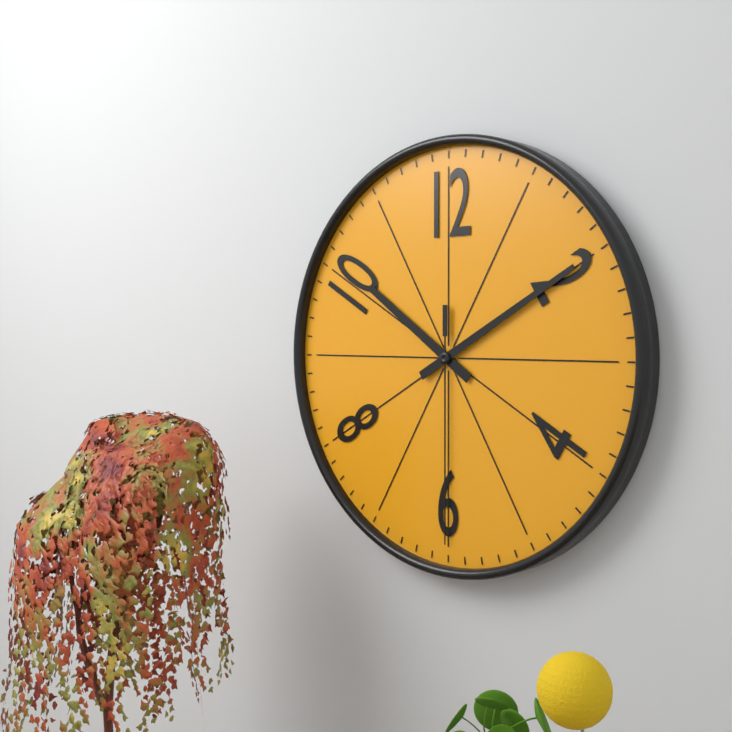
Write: 10:10:30
